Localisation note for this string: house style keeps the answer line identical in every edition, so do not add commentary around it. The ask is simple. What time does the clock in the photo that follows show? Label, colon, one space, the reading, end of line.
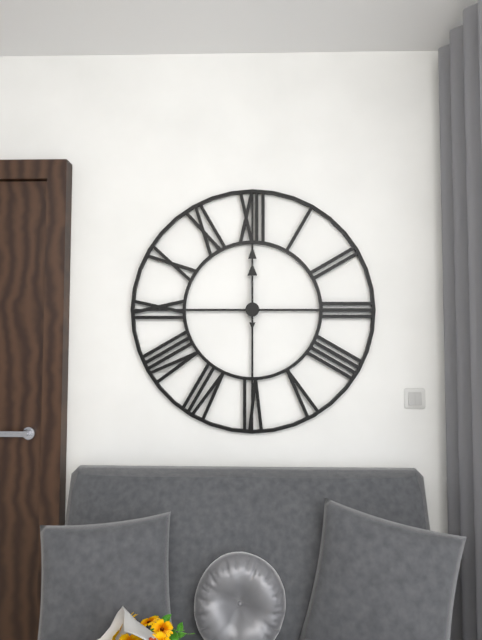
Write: 12:00
